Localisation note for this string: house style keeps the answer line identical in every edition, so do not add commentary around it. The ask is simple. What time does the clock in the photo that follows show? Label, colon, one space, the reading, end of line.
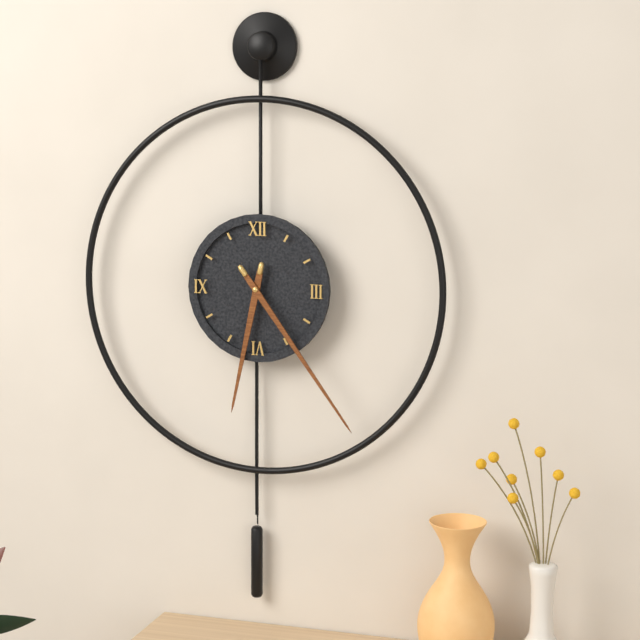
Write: 6:24
